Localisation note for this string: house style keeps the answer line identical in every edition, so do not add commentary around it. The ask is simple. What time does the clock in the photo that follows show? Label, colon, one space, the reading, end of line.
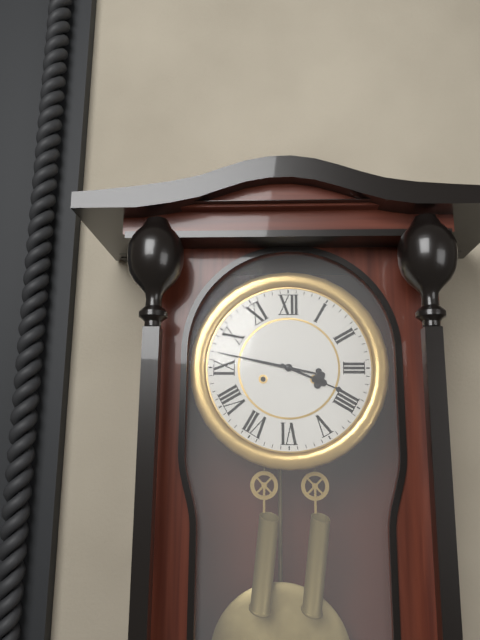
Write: 3:47
